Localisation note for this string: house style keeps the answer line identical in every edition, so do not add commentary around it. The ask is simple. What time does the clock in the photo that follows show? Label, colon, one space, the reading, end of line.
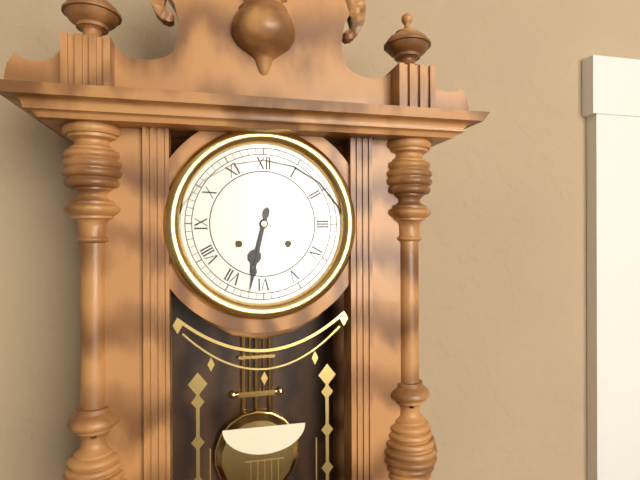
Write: 6:32
